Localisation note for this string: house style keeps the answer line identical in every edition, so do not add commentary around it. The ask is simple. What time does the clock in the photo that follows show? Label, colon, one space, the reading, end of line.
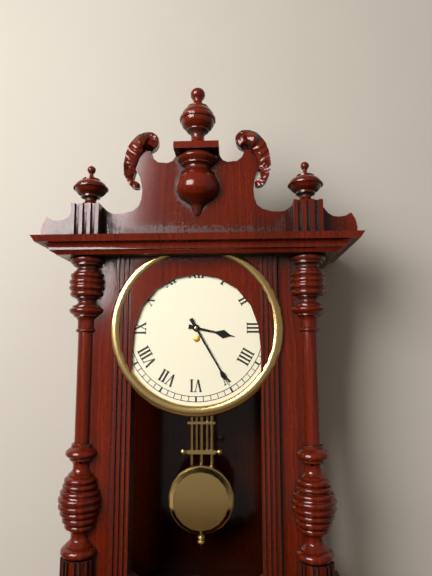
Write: 3:25
